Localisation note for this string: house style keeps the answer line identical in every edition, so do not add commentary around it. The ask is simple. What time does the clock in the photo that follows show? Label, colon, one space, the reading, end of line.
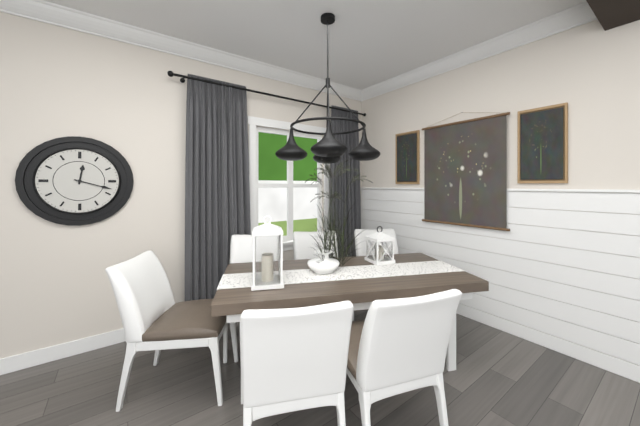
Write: 12:18
